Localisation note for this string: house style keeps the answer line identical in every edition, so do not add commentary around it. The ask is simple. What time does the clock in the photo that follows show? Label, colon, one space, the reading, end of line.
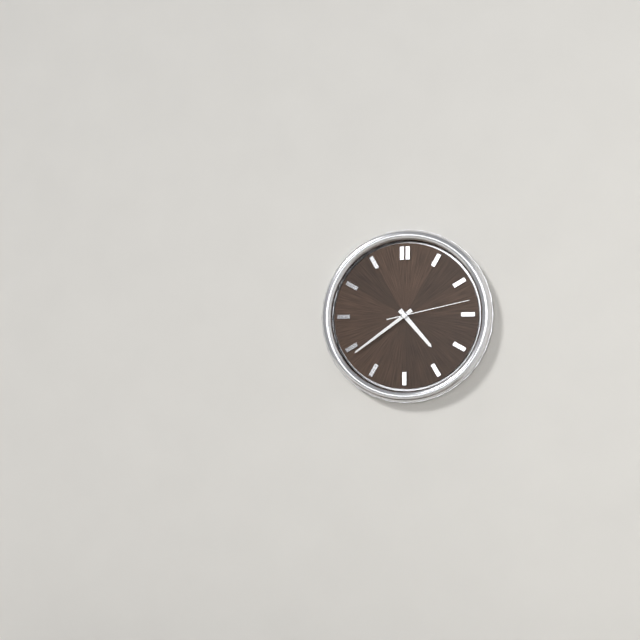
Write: 4:39:13
